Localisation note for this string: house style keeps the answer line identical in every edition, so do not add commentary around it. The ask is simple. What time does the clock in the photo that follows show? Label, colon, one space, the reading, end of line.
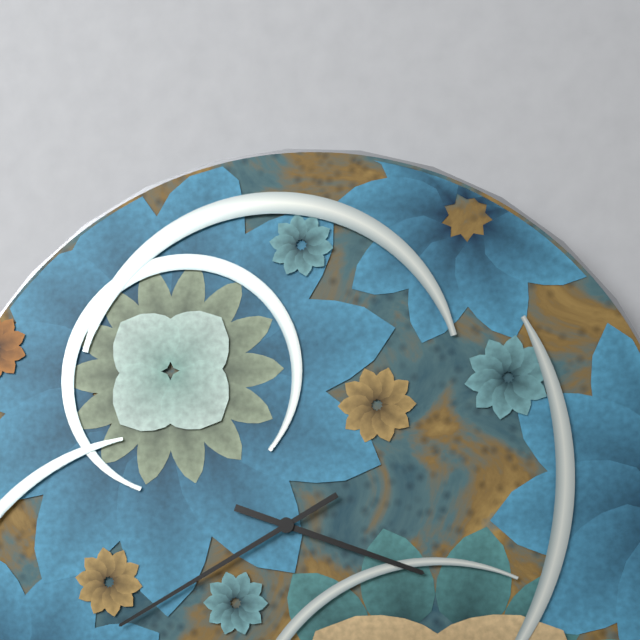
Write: 3:40
